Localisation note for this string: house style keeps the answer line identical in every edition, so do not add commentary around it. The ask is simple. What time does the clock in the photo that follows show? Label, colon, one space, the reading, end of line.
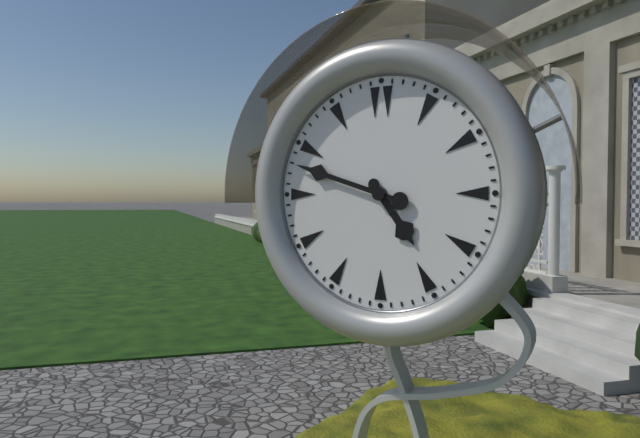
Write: 4:48
